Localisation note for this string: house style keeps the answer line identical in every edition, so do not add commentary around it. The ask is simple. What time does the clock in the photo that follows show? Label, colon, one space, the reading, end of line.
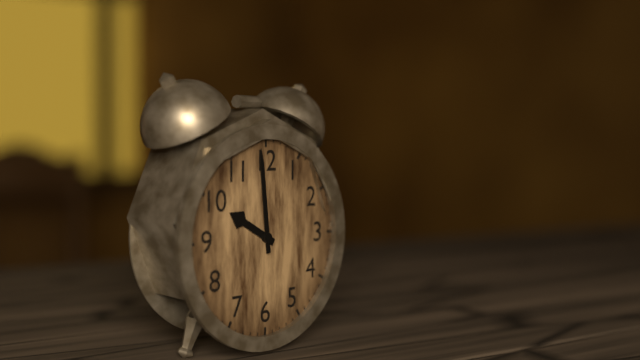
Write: 9:59
